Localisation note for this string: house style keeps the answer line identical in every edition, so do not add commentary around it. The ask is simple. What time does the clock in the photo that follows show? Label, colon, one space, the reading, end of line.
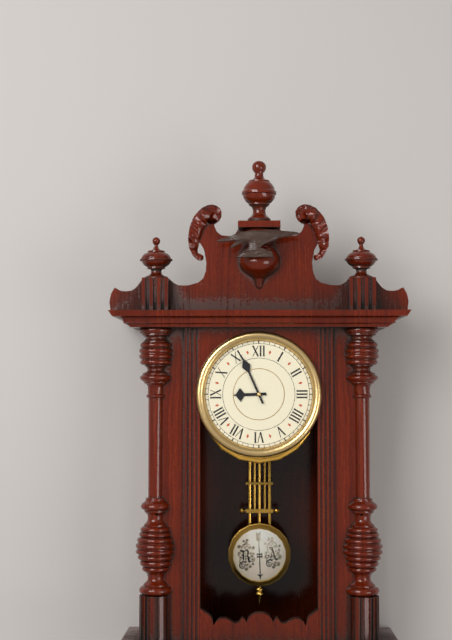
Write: 8:56
